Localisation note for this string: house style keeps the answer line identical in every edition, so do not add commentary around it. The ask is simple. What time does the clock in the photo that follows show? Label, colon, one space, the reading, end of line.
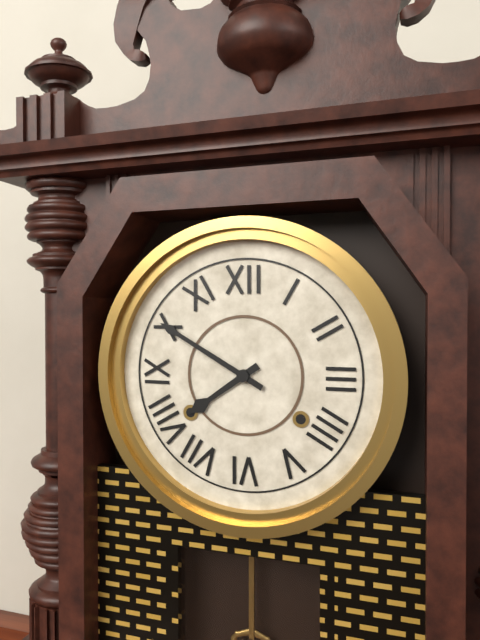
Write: 7:50
